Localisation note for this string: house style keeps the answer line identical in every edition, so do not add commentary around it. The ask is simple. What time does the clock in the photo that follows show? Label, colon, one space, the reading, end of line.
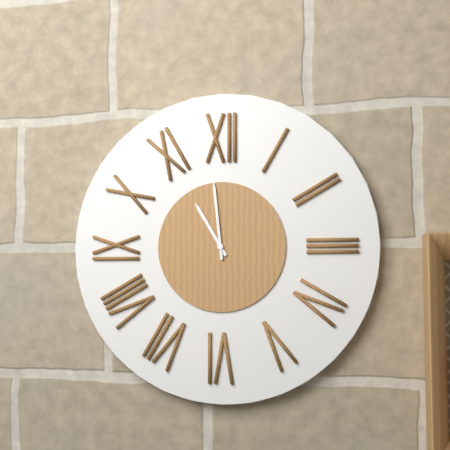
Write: 10:59
